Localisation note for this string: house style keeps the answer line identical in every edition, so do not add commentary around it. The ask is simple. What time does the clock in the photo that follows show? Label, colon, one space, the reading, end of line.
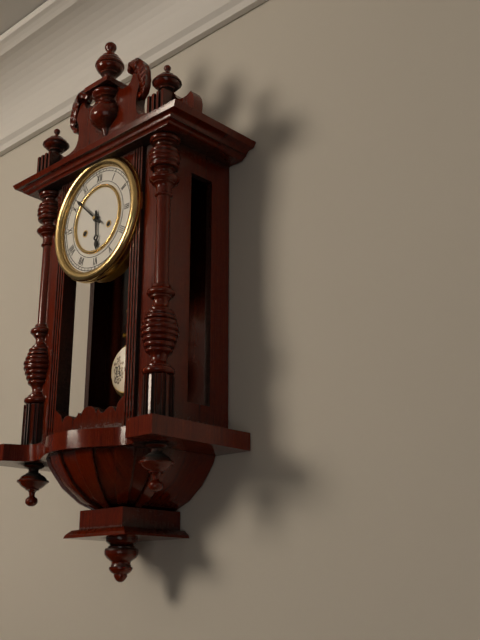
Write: 5:52
